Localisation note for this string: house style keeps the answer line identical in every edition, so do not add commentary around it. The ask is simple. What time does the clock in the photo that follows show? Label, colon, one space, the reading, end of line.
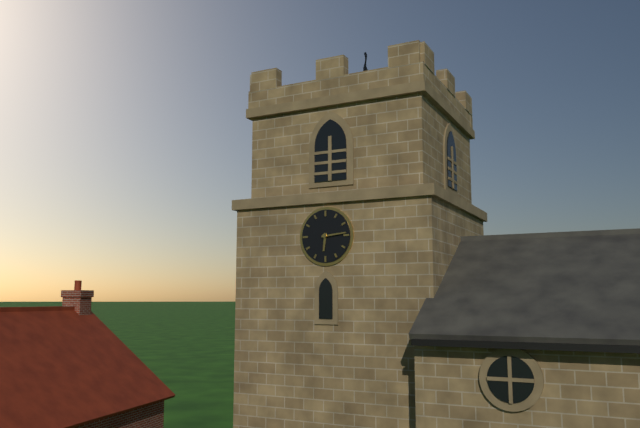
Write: 6:14
